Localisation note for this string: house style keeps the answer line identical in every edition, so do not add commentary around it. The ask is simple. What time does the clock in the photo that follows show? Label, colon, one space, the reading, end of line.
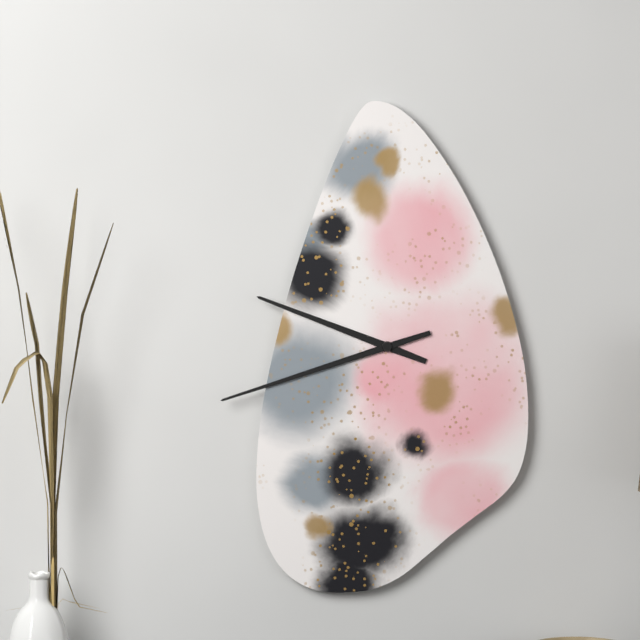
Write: 9:42
